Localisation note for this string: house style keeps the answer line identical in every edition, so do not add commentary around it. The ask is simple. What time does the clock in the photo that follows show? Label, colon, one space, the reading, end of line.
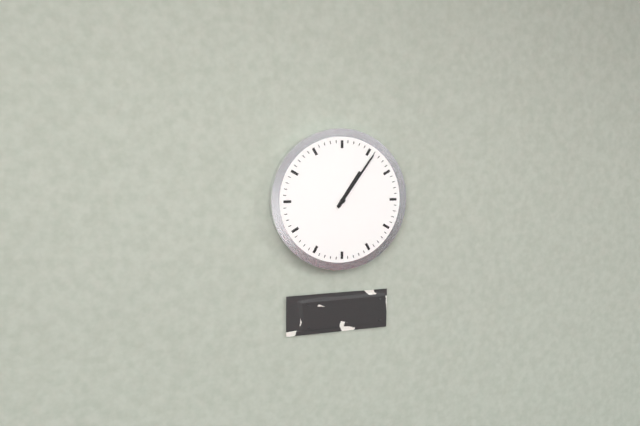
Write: 1:06
